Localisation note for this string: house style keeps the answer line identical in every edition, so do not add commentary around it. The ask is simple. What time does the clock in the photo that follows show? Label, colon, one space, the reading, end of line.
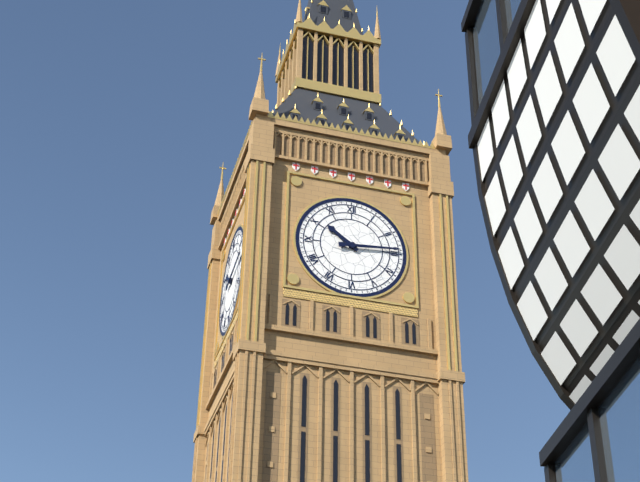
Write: 10:14
